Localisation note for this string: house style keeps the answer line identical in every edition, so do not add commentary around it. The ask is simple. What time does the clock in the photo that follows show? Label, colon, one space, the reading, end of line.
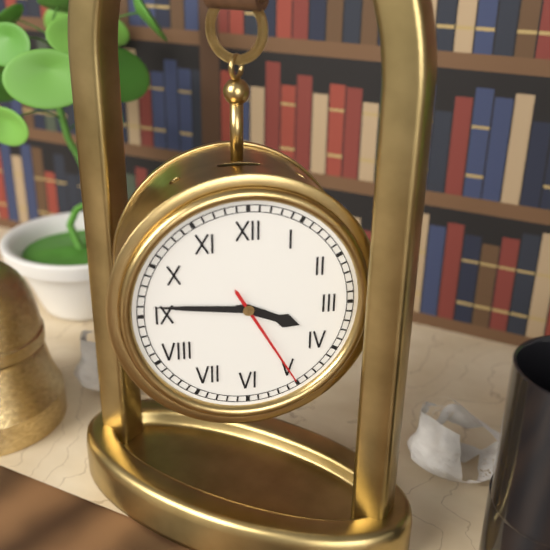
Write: 3:46:25
